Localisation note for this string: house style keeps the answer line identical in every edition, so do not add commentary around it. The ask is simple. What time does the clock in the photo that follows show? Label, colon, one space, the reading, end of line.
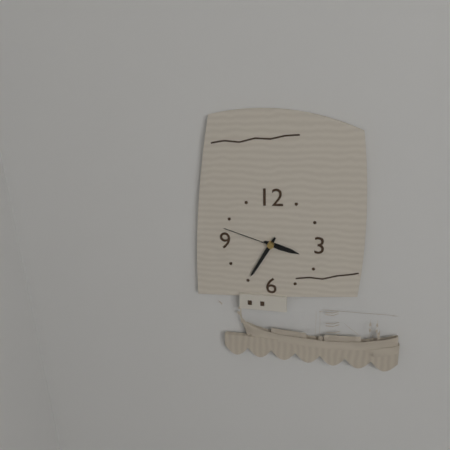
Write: 3:35:48
